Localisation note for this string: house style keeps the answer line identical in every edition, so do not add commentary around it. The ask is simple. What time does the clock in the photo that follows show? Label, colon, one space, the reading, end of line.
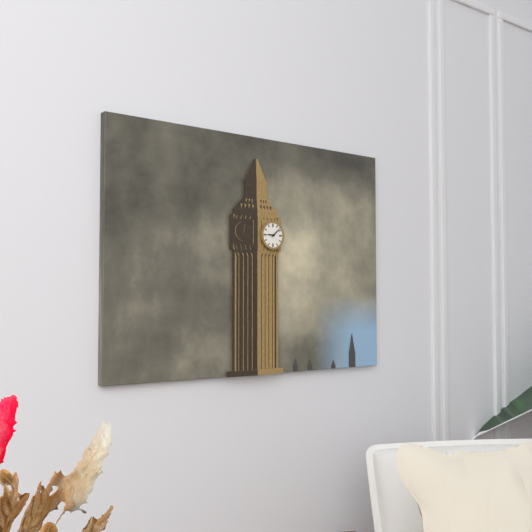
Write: 9:08
